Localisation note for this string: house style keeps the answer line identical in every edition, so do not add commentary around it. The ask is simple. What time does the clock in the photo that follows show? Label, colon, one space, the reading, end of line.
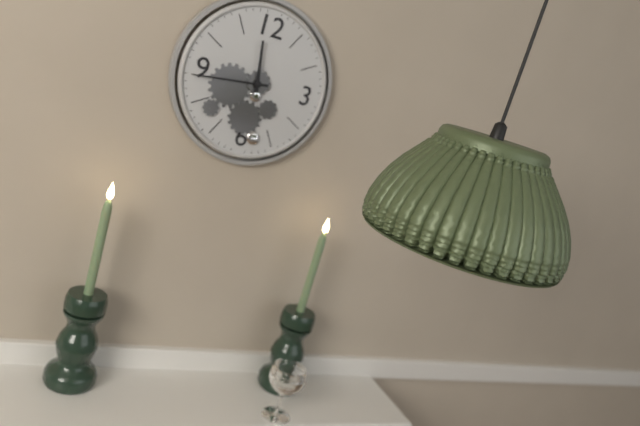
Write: 11:44
